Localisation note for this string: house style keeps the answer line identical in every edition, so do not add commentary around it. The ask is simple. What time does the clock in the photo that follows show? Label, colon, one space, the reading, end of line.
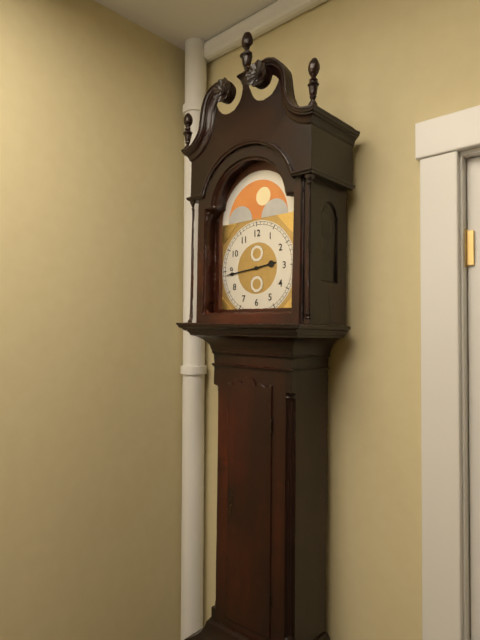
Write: 2:44
